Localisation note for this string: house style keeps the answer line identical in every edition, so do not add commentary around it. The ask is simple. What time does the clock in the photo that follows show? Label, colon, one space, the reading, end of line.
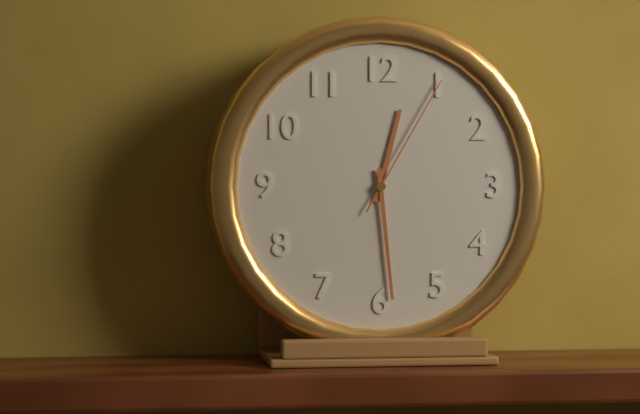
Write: 12:29:05
